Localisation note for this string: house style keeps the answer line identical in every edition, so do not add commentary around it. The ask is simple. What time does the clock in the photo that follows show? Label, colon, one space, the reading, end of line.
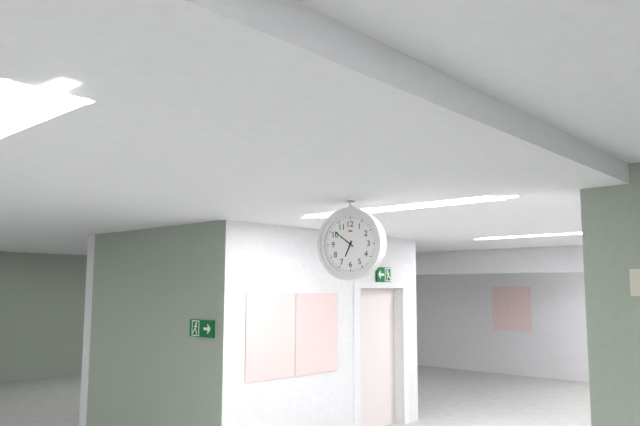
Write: 6:51
